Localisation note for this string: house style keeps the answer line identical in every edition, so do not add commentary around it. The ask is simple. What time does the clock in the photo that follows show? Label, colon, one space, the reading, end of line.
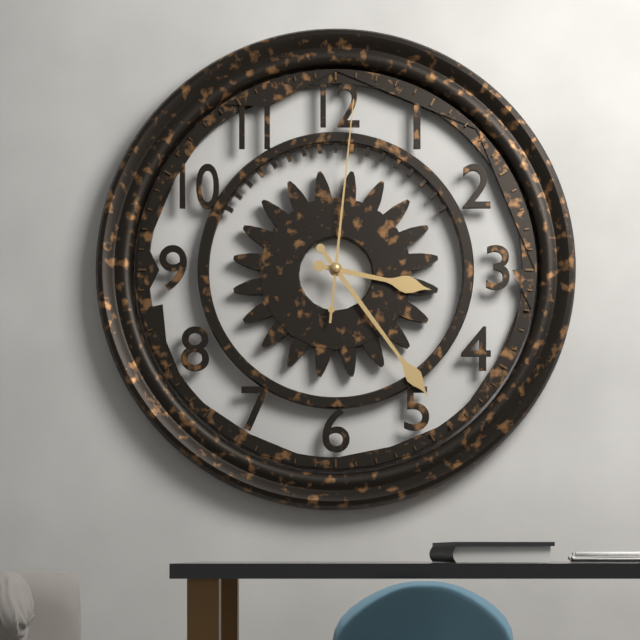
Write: 3:24:01
